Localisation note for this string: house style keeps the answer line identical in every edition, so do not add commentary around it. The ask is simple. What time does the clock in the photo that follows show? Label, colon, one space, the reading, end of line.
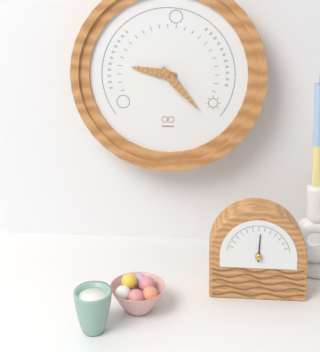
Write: 9:23
